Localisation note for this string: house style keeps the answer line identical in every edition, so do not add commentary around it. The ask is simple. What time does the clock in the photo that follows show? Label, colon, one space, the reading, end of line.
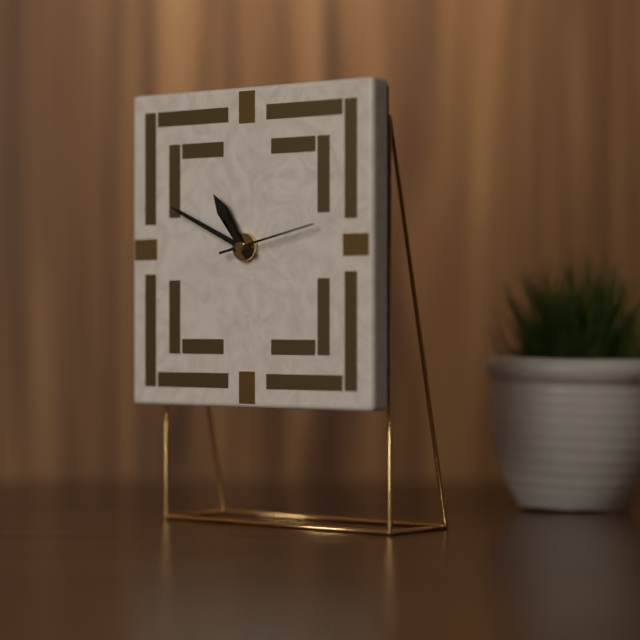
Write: 10:49:13
